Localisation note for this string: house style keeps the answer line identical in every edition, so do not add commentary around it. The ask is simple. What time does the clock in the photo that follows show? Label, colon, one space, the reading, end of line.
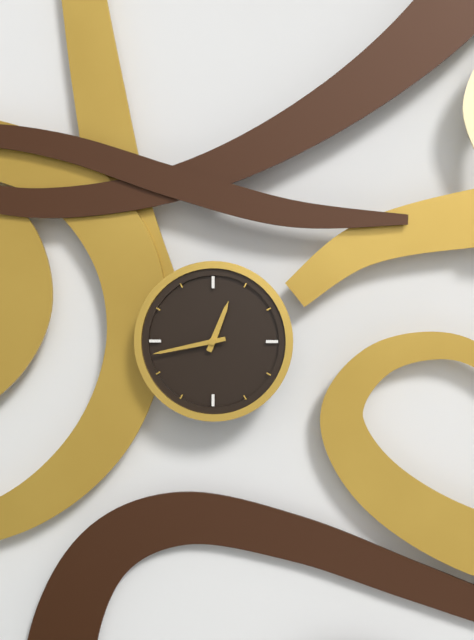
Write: 12:43
